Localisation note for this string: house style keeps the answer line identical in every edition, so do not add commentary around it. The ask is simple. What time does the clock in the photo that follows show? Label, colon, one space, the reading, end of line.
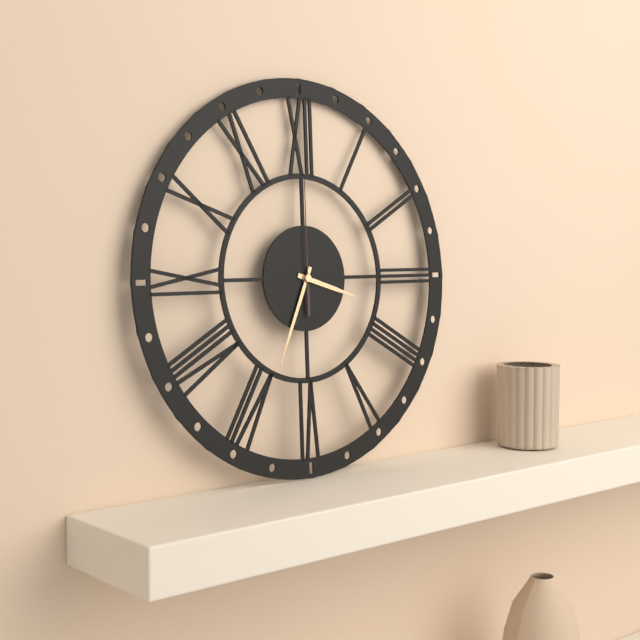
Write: 3:34:00
